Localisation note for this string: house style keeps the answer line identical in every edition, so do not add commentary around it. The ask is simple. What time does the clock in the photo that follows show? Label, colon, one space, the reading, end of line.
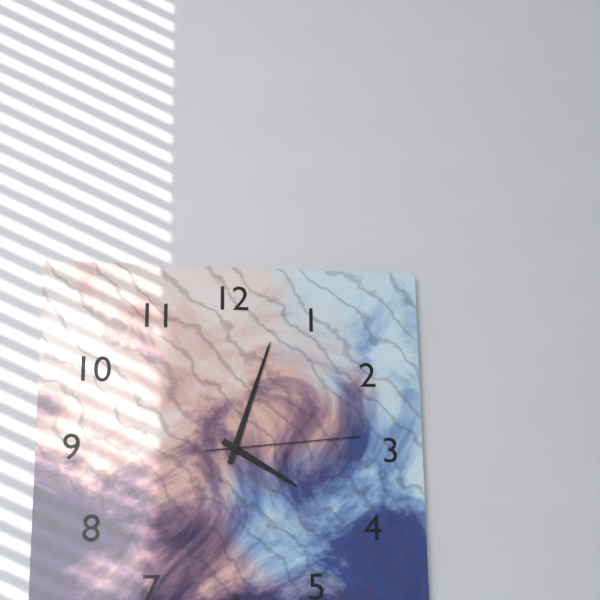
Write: 4:03:14
